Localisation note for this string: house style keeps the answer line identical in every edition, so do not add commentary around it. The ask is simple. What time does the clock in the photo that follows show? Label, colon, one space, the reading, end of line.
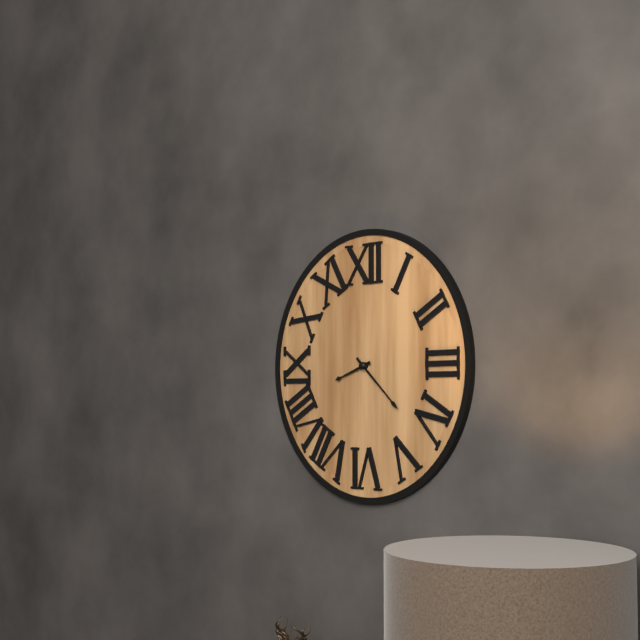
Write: 8:22
